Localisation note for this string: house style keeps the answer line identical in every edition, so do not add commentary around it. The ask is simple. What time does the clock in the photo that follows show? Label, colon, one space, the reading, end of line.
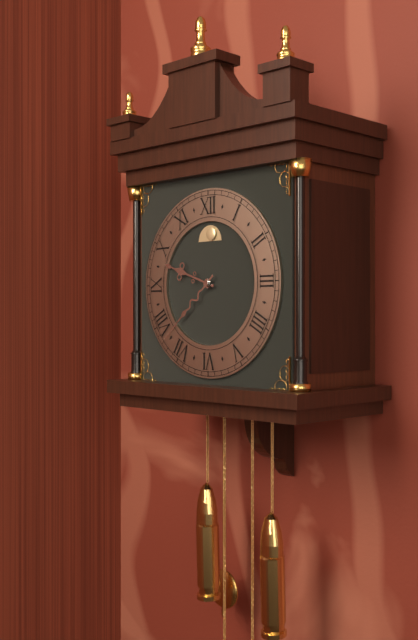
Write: 9:38
